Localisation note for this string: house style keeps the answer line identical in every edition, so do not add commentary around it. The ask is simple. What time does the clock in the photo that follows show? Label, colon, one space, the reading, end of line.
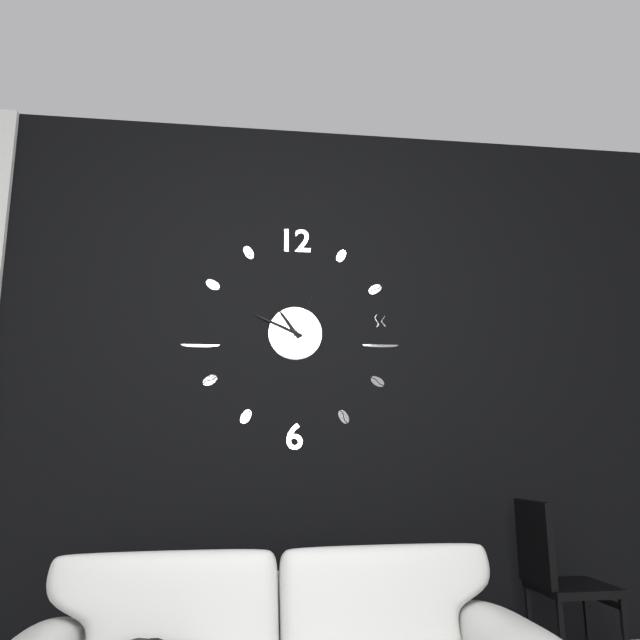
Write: 10:49:04
